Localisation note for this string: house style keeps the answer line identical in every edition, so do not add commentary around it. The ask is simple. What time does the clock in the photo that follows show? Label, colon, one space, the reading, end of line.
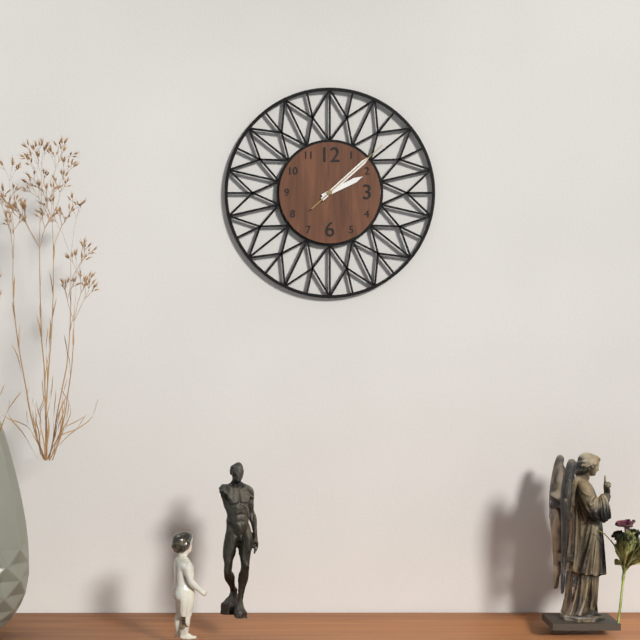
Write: 2:08:08
